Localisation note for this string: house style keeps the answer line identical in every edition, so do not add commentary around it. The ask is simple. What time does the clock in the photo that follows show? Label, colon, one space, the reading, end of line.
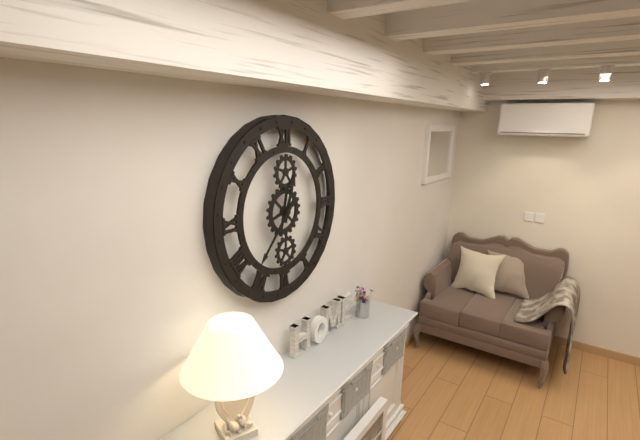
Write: 12:37
